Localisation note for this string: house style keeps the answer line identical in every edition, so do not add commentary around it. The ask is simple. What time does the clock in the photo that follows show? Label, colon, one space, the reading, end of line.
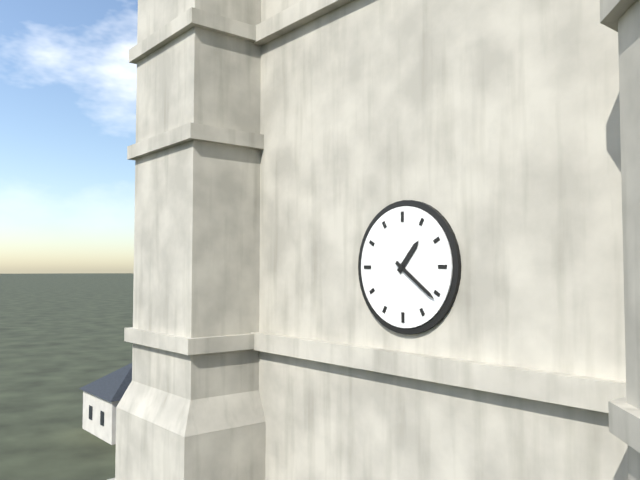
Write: 1:21
